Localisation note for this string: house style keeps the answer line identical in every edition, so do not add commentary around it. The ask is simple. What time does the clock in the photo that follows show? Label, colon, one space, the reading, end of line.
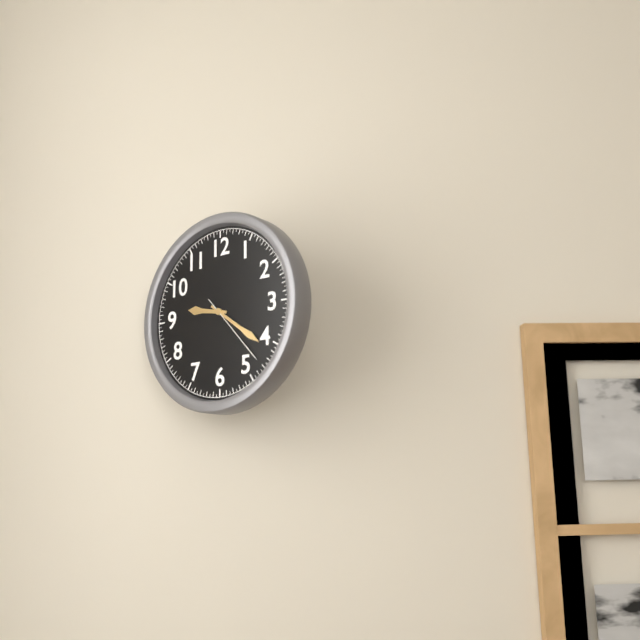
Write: 9:21:23
